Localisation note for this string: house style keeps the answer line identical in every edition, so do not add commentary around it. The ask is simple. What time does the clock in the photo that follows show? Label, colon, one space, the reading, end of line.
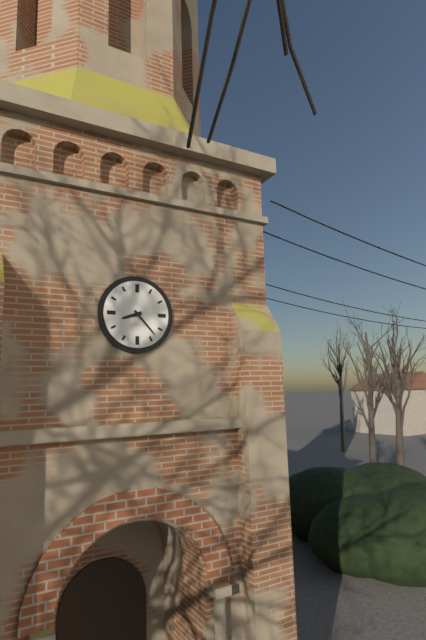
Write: 8:23
